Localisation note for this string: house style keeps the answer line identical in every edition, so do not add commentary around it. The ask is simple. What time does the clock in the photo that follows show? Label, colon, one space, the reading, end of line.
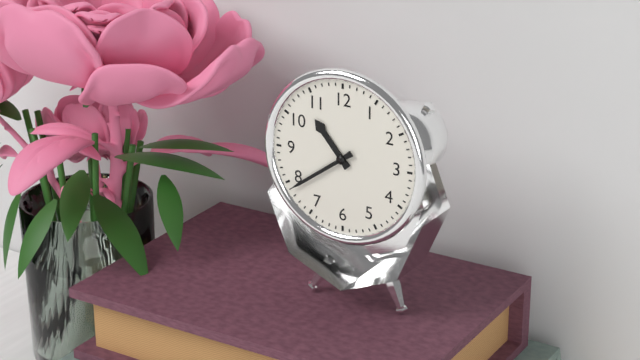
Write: 10:39
